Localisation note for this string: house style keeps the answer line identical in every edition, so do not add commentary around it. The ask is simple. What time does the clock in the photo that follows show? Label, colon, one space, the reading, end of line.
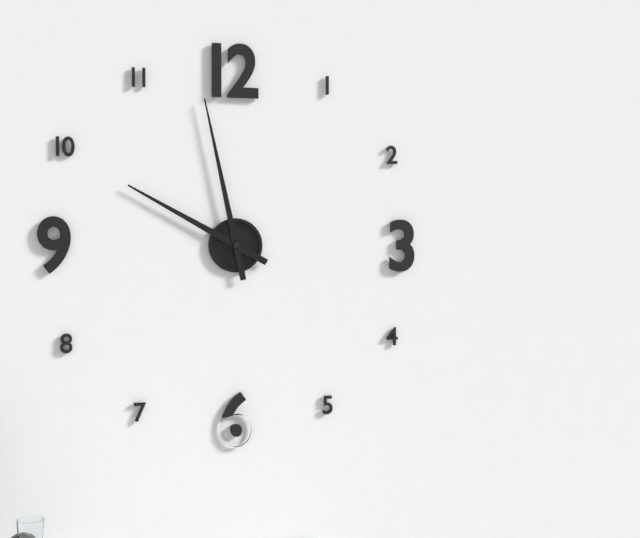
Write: 9:58
